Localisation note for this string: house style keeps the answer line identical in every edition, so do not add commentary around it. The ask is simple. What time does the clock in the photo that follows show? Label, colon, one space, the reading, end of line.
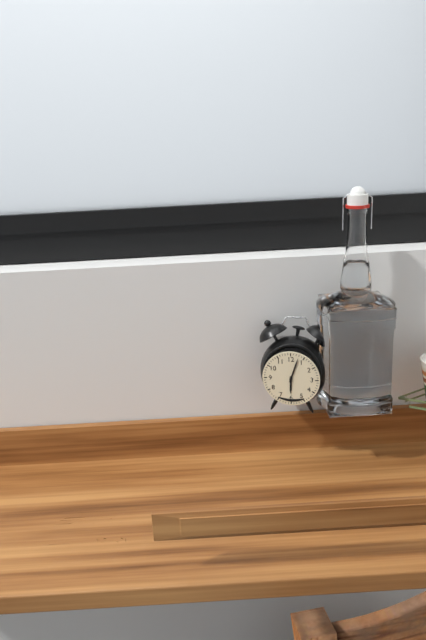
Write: 6:03
